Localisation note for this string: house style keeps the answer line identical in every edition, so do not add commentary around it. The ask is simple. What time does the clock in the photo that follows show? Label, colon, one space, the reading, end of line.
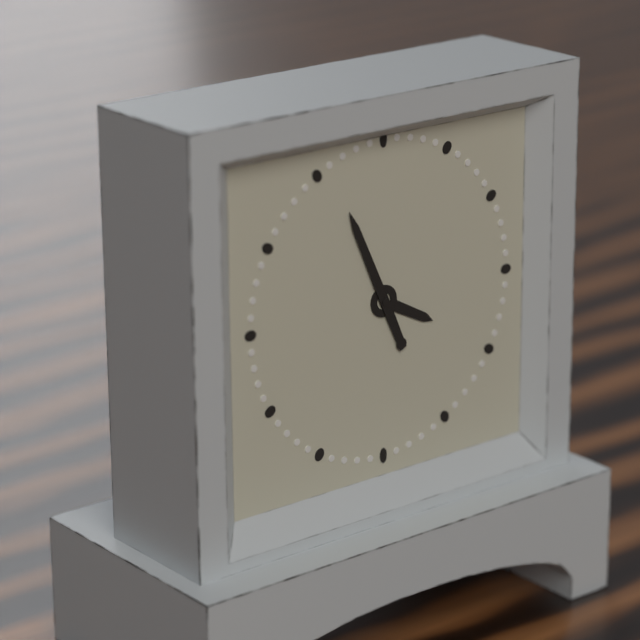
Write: 3:56
